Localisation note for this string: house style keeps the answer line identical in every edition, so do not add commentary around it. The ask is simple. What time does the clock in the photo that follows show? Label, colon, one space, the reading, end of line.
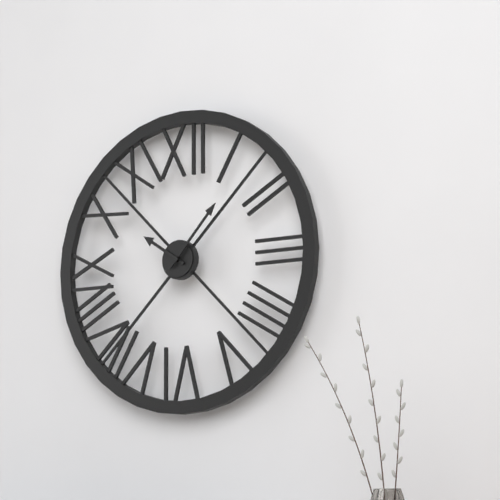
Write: 10:07
